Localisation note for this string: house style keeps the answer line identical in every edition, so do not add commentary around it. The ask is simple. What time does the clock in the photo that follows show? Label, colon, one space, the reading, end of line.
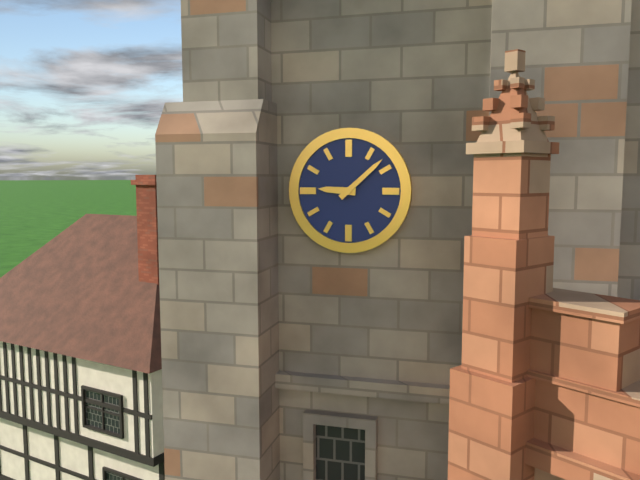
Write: 9:08
